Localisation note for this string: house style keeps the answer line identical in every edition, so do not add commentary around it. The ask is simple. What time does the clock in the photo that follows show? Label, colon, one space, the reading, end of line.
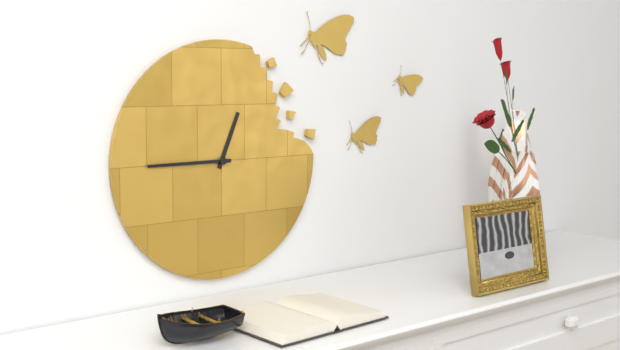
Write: 12:45
